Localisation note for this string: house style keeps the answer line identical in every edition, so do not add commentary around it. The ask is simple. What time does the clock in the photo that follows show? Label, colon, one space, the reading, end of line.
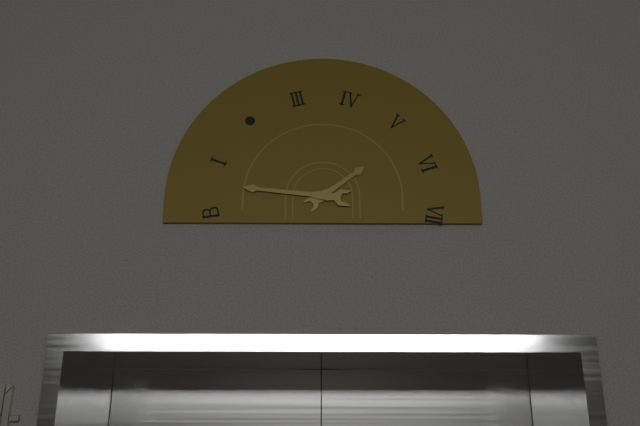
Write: 1:46
